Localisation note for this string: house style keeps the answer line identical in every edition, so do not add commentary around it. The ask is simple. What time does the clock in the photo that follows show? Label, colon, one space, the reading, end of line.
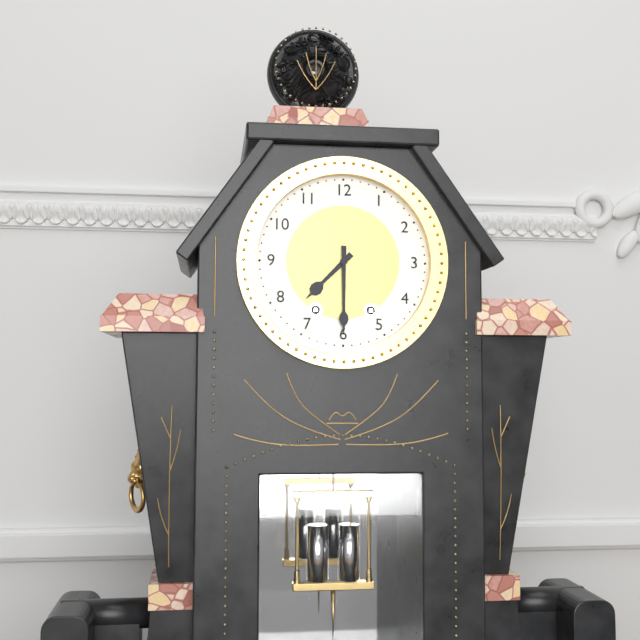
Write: 7:30
